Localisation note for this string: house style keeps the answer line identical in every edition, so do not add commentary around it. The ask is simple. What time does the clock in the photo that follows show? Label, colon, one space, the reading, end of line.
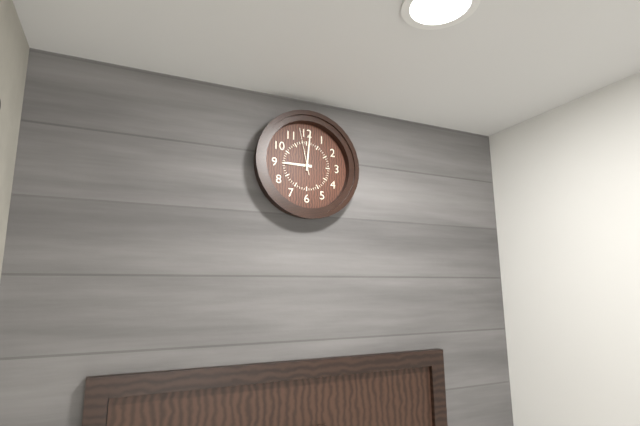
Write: 9:01
